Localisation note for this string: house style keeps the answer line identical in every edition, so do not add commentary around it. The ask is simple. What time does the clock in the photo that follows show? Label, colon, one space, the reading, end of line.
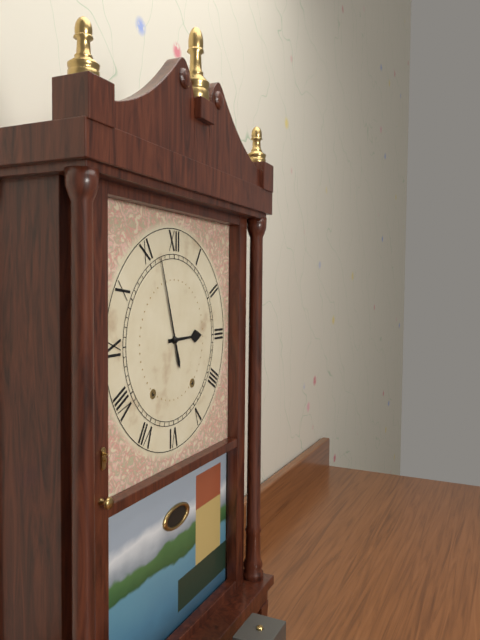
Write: 2:57
